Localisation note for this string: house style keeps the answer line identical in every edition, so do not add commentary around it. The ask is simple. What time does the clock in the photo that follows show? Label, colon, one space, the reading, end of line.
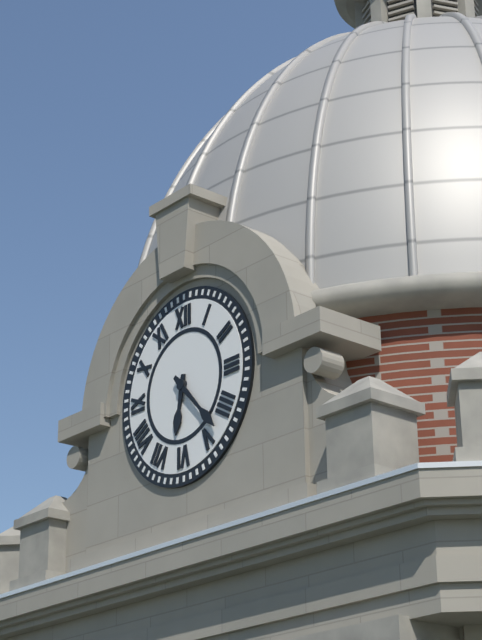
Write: 6:23
